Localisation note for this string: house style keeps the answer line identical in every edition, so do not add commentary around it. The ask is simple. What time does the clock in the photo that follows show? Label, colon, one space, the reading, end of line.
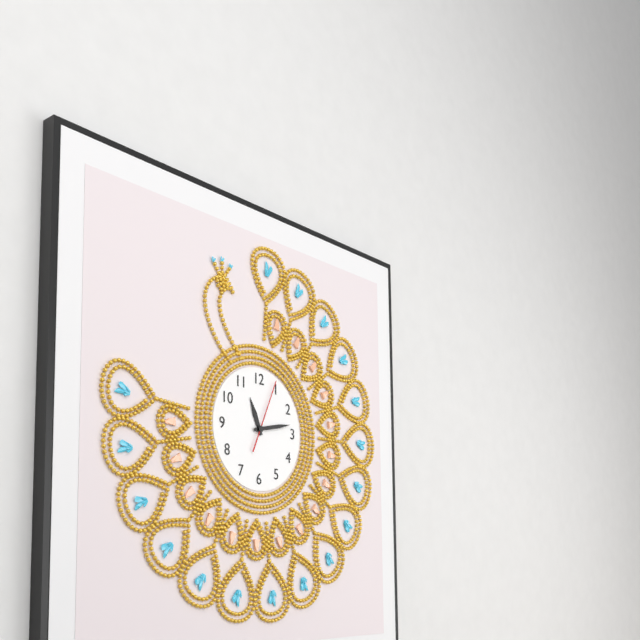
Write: 11:13:04
